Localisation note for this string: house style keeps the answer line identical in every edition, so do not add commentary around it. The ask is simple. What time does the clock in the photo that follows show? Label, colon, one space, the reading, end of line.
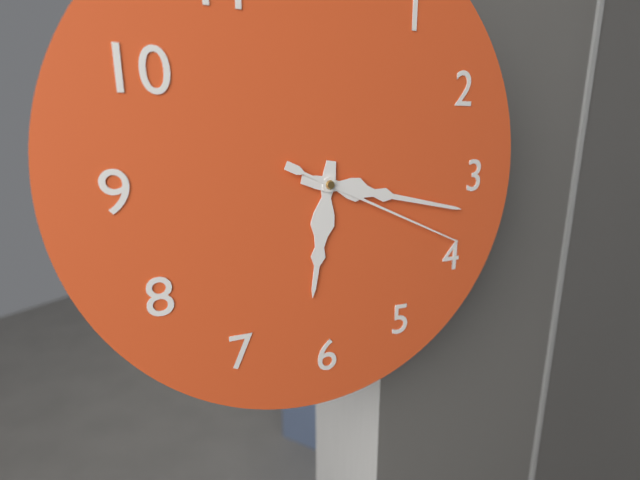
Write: 6:17:19
